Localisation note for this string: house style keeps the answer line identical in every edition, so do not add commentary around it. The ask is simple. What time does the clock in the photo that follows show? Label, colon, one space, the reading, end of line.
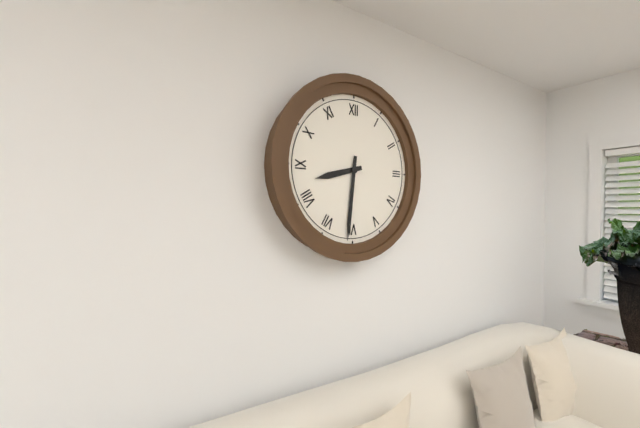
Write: 8:31
